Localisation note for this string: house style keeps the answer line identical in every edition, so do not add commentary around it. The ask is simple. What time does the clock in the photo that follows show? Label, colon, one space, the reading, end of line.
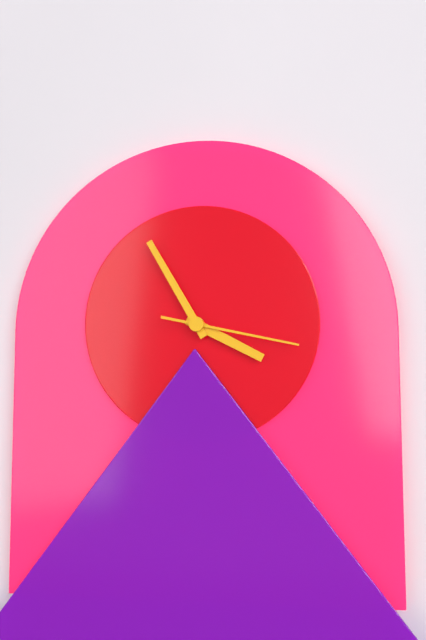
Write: 3:55:17
